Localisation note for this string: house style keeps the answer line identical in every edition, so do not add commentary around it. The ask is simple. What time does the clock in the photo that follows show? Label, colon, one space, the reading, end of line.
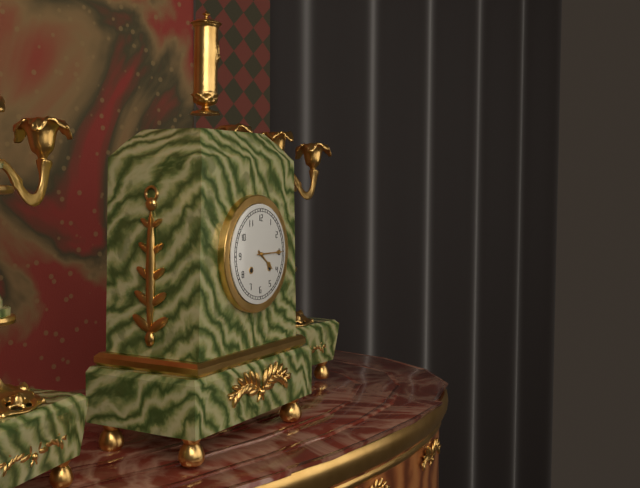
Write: 4:15
